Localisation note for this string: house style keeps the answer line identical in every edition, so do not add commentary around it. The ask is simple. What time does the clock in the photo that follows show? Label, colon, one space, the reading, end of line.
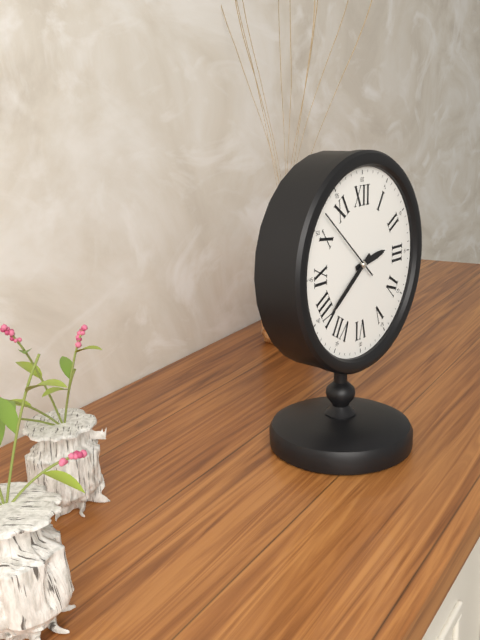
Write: 2:39:52
